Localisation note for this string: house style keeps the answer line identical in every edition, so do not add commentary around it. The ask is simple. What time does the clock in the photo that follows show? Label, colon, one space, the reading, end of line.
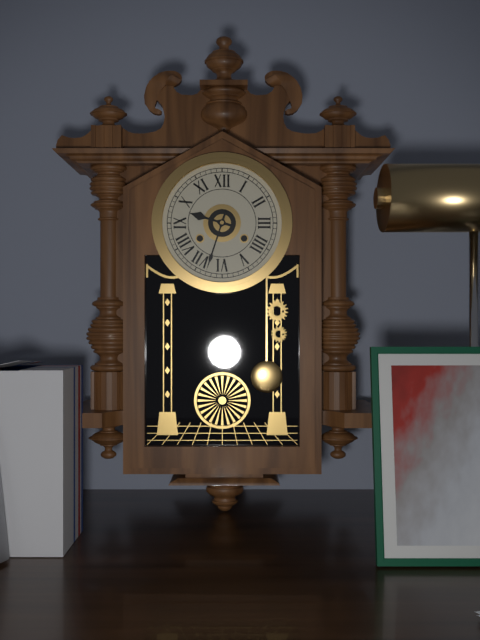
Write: 9:33
